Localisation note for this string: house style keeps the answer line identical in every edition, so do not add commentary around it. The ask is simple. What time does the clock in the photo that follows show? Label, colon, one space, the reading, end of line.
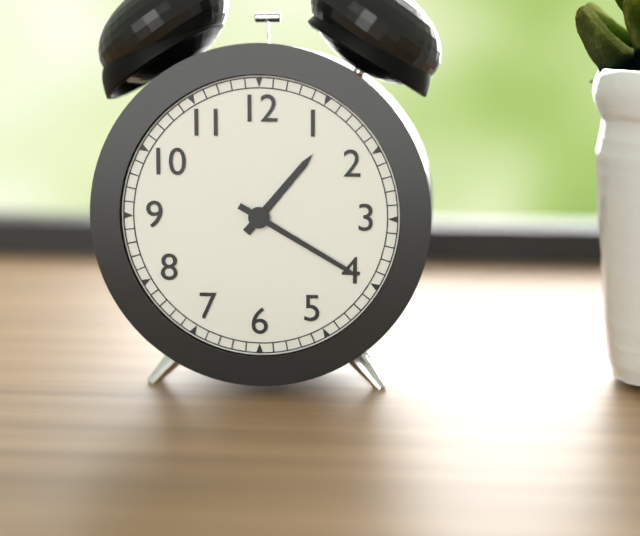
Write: 1:20
